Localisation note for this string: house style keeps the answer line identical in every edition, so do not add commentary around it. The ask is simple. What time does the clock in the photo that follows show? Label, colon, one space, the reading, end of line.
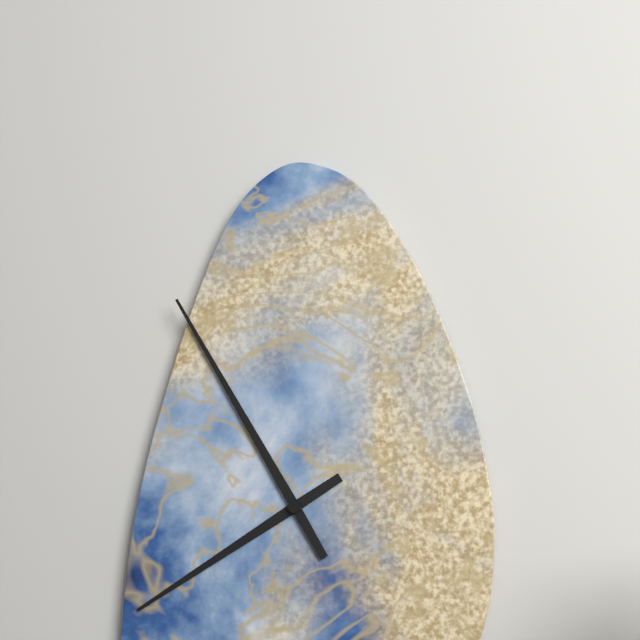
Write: 7:55
